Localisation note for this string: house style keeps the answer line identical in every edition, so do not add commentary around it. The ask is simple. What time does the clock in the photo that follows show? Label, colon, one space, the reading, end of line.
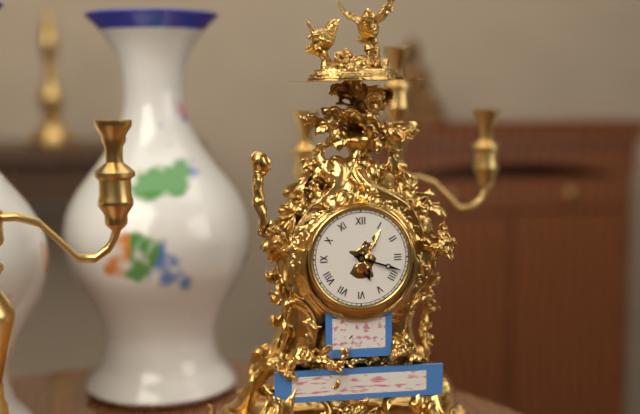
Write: 5:18
